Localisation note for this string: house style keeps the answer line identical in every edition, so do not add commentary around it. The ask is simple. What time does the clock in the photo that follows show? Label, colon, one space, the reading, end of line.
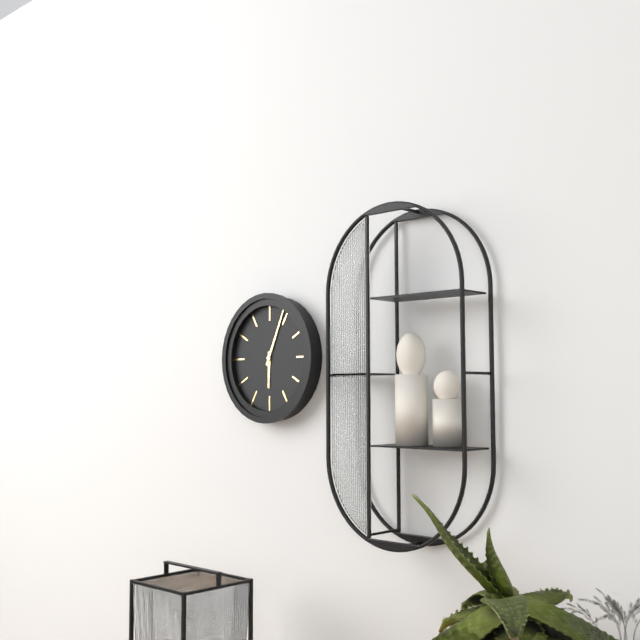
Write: 6:04
